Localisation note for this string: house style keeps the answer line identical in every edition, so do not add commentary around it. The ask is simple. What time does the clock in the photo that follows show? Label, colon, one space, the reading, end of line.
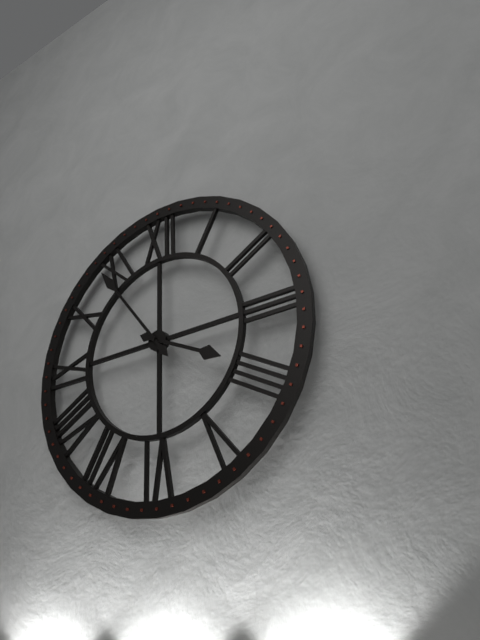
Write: 3:54
